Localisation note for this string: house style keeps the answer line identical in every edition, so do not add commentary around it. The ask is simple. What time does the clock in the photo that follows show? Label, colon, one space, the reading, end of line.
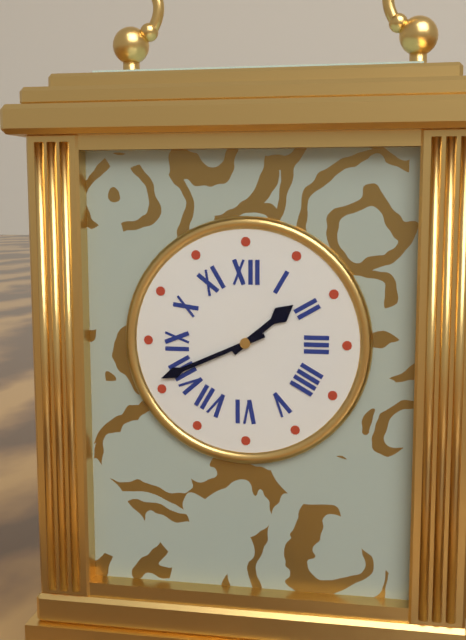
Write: 1:41
